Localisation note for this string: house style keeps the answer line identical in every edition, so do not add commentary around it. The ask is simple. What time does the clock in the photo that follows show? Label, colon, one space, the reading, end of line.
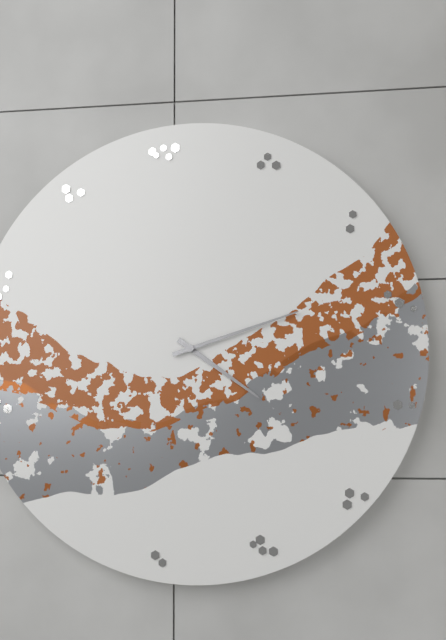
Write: 4:12
